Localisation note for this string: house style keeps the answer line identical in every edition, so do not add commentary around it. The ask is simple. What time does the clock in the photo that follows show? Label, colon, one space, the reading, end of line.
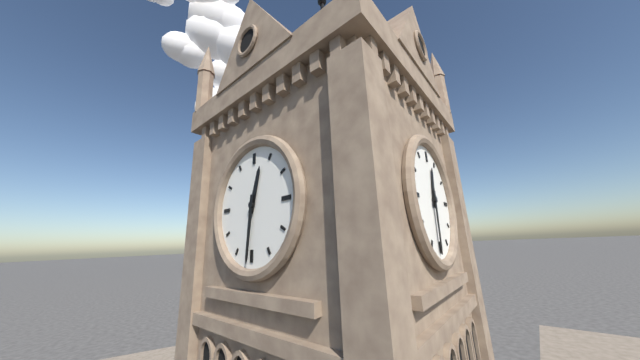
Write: 12:31
